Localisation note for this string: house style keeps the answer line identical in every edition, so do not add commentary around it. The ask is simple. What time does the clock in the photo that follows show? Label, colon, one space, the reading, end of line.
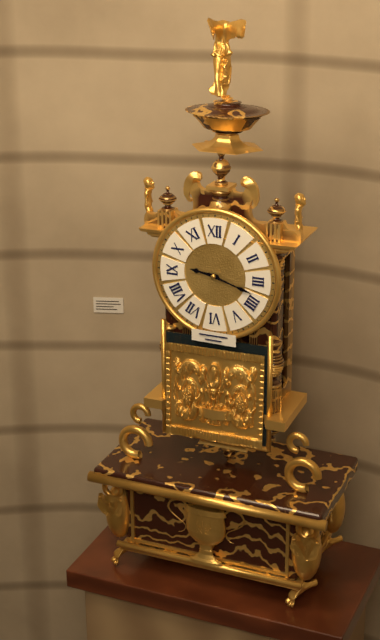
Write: 9:18
